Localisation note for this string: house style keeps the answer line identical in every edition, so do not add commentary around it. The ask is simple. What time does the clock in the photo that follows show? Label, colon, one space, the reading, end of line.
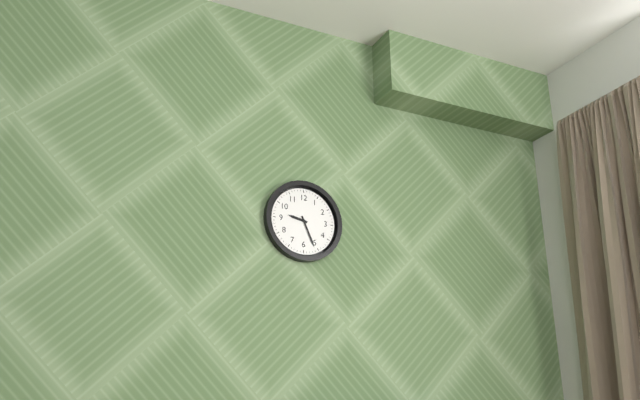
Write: 9:26
